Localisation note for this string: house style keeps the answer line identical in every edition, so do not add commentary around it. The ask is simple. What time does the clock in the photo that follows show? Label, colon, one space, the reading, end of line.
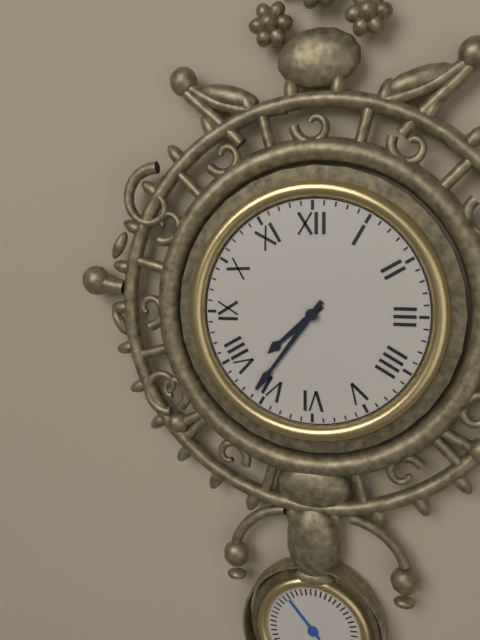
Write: 7:36
